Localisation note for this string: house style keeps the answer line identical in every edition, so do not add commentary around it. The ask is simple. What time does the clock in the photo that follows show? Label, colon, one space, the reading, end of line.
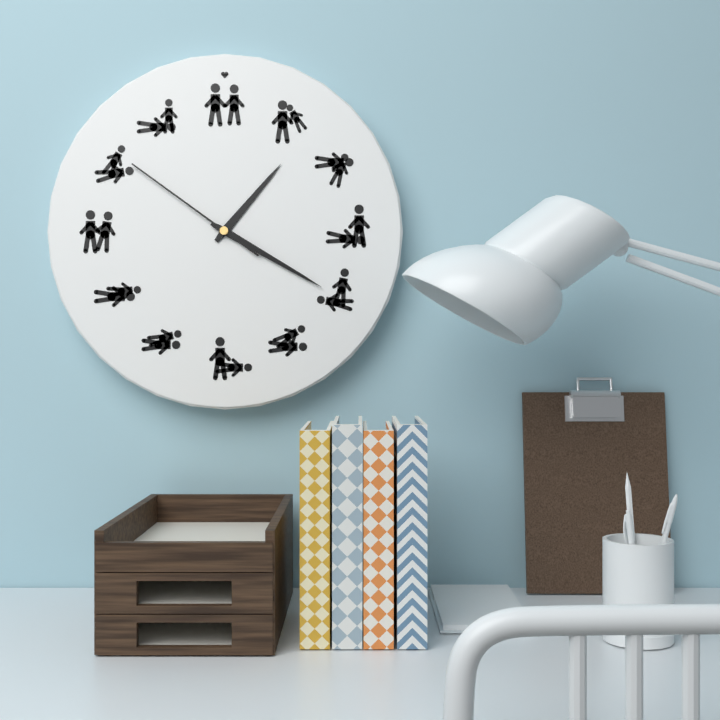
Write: 1:20:51
